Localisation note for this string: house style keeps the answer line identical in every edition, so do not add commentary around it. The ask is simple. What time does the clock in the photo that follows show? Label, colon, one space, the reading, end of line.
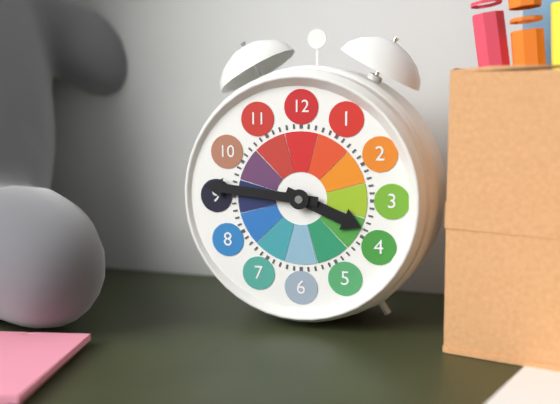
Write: 3:46
